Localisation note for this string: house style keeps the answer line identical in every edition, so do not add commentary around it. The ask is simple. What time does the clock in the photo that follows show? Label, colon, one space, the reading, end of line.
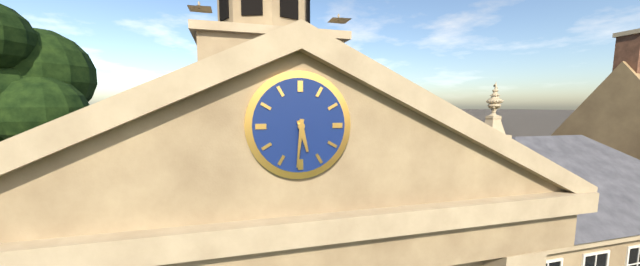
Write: 5:31
